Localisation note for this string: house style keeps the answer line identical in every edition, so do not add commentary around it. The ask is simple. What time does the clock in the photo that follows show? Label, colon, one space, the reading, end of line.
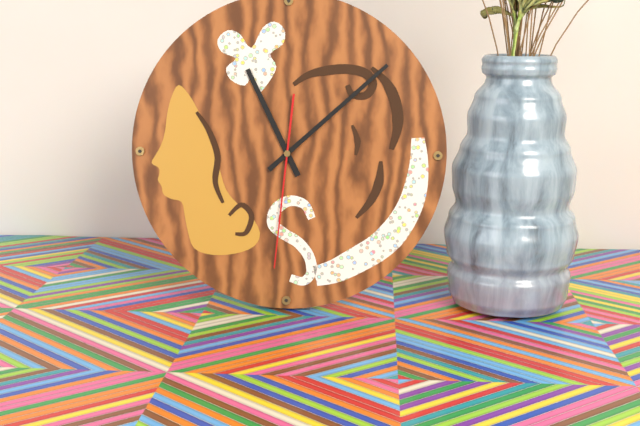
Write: 11:08:31
